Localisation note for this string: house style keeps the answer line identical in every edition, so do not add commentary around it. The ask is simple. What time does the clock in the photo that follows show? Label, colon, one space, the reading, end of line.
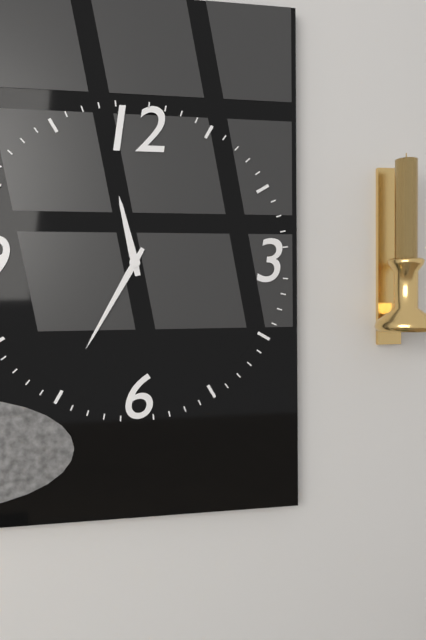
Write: 11:35
